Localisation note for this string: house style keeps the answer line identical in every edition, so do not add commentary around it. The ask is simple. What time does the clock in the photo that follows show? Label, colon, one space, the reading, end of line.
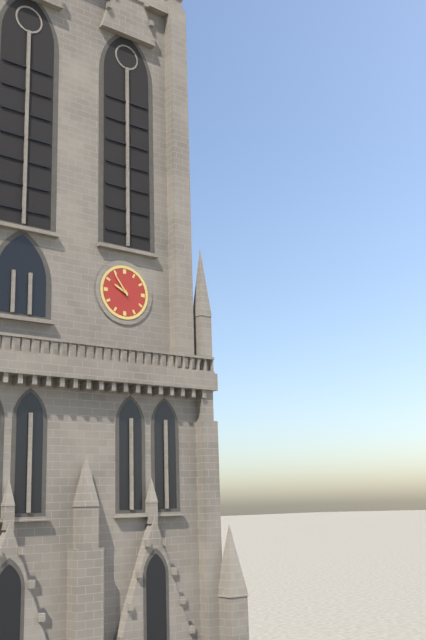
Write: 9:54
